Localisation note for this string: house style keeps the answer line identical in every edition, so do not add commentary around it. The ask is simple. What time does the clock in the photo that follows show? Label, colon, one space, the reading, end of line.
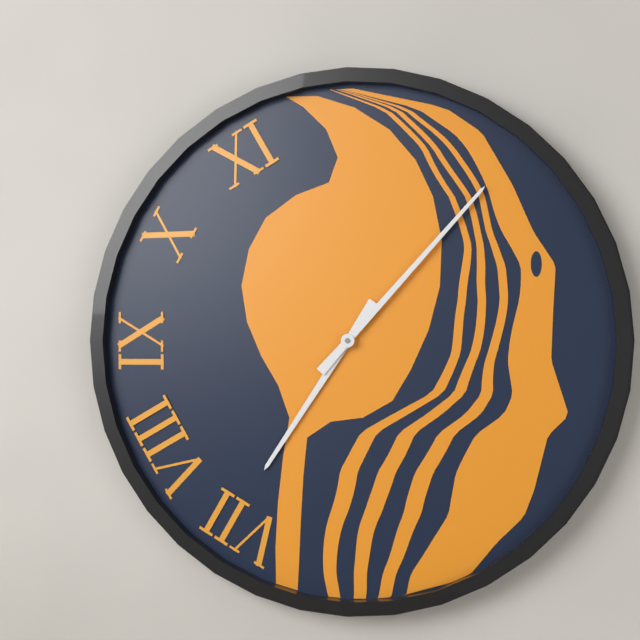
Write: 7:07
